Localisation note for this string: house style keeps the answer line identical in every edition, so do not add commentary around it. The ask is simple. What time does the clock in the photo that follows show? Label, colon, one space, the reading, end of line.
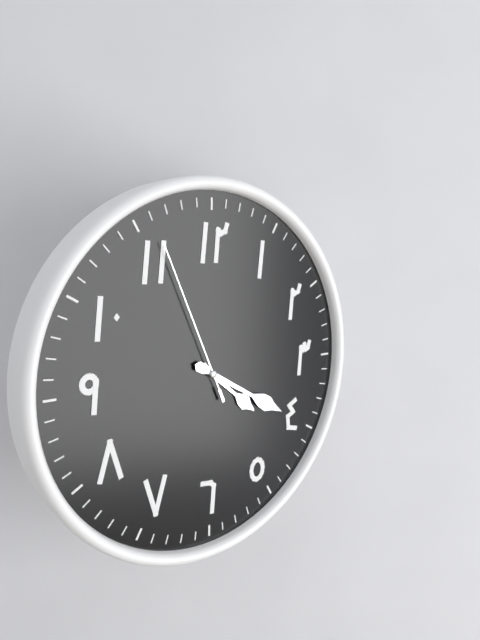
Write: 4:20:56
